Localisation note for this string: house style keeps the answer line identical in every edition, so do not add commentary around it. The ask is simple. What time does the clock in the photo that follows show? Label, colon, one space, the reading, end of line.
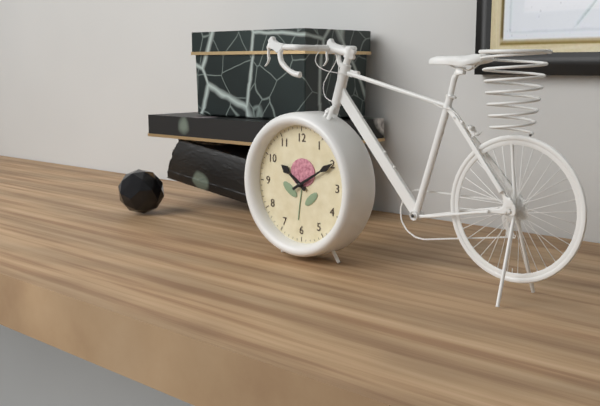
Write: 10:10
